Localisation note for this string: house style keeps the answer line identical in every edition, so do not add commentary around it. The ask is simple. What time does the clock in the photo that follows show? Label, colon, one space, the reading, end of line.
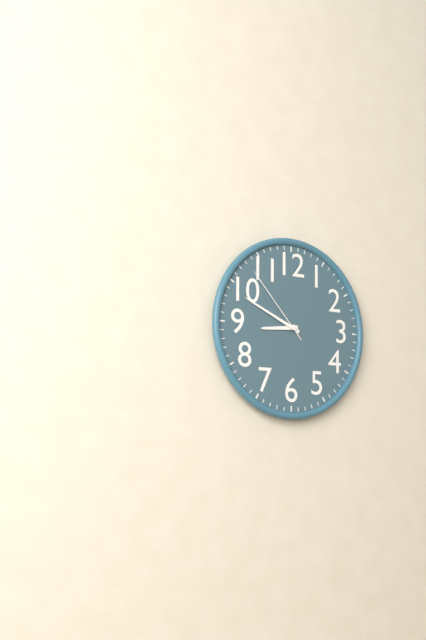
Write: 8:49:53
